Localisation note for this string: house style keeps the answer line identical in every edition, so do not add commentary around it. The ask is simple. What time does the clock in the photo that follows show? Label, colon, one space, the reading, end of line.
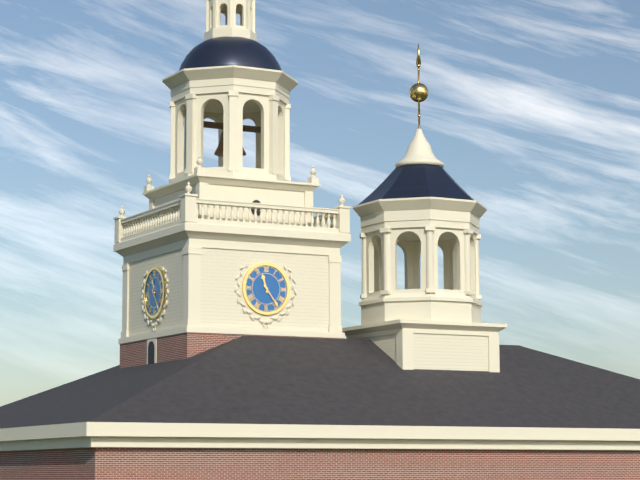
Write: 11:24
